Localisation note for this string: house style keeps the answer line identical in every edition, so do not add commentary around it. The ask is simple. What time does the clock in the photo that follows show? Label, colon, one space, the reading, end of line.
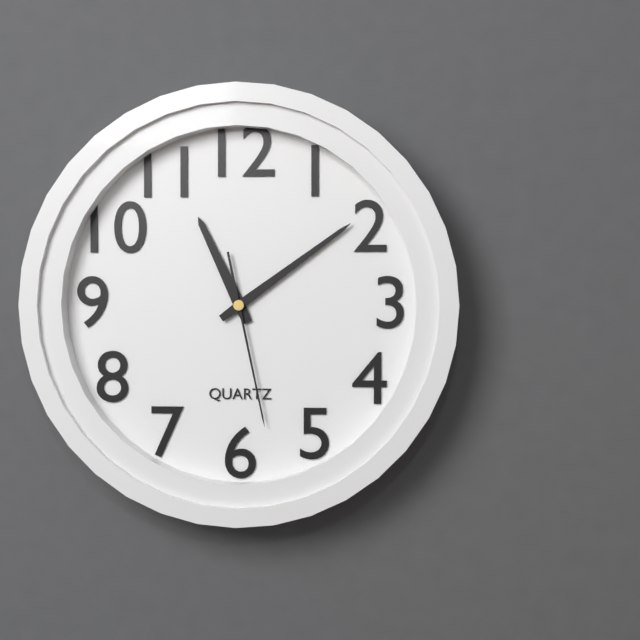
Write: 11:09:28
